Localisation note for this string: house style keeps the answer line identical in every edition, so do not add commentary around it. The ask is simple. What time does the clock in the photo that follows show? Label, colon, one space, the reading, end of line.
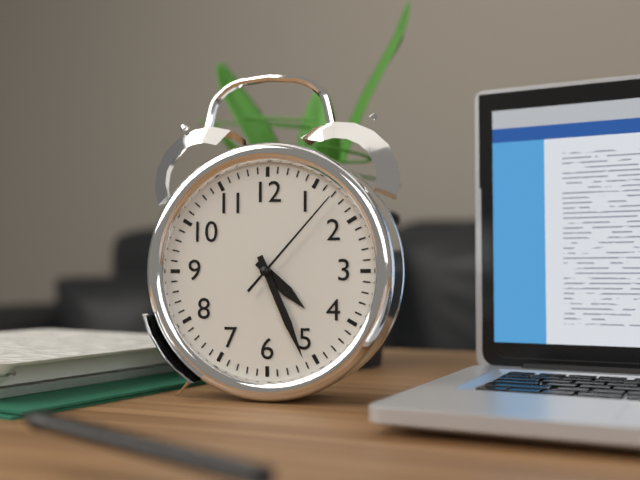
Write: 4:26:07
